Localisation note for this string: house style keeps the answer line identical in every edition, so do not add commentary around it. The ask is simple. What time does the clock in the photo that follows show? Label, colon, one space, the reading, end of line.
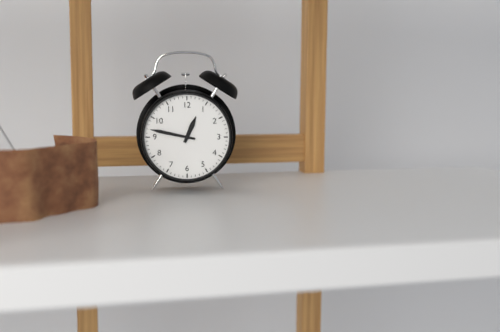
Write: 12:47
